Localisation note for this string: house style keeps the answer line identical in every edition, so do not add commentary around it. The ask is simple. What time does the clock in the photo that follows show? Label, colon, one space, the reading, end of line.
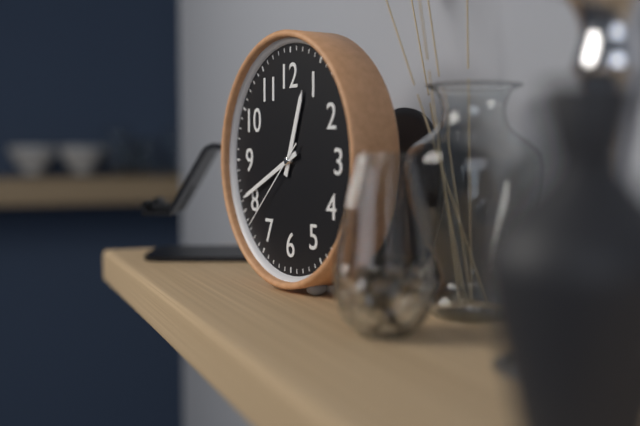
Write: 12:41:38
